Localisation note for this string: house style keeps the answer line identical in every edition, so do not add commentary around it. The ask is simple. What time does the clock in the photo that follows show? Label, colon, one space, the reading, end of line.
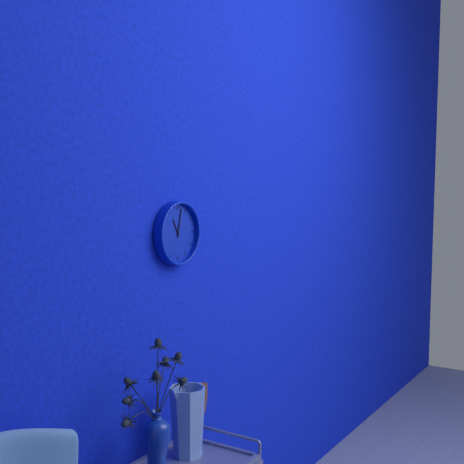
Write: 11:02
